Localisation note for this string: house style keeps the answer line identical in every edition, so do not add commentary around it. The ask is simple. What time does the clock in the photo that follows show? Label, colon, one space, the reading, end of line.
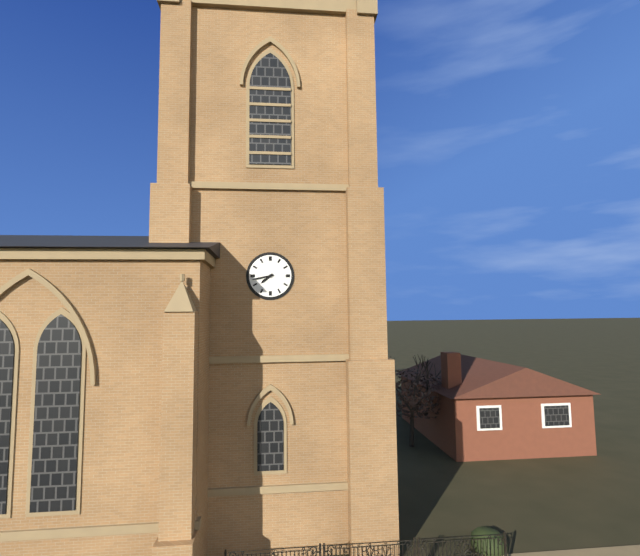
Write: 7:43
